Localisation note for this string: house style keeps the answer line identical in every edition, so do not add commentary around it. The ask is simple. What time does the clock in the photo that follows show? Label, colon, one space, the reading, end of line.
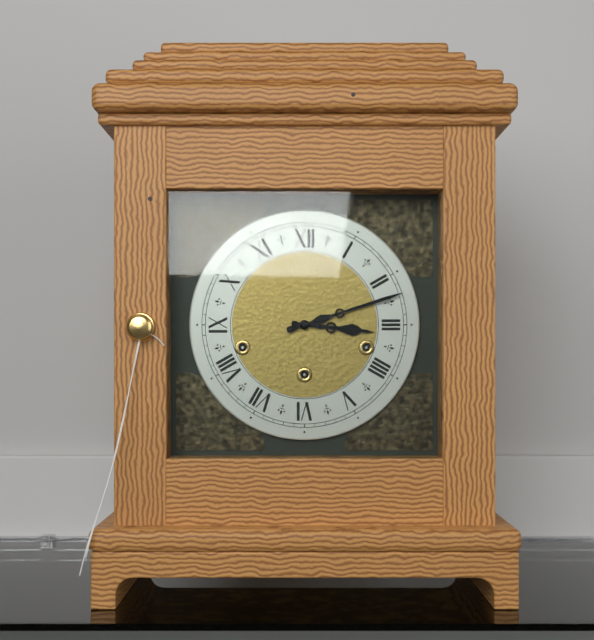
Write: 3:12
